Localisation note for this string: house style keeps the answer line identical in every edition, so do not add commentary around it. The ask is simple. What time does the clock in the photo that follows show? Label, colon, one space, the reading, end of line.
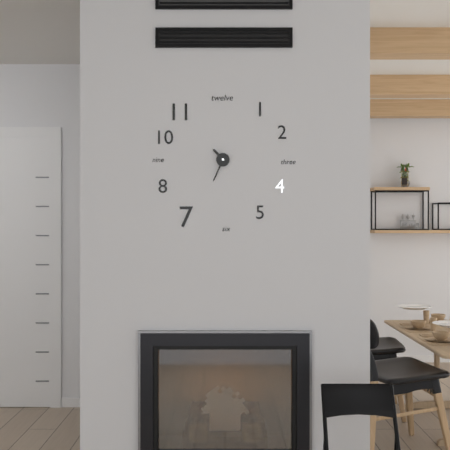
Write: 10:34
